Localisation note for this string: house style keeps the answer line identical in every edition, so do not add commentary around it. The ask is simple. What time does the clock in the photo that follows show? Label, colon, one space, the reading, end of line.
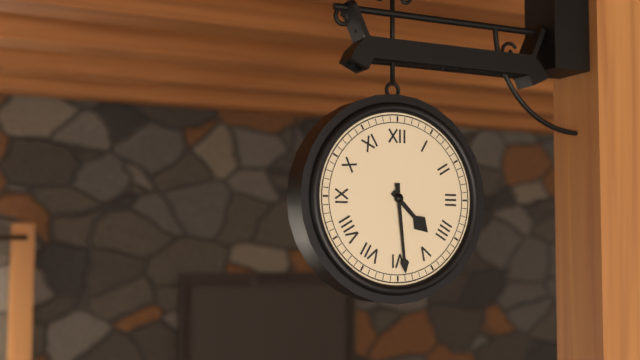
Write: 4:29
